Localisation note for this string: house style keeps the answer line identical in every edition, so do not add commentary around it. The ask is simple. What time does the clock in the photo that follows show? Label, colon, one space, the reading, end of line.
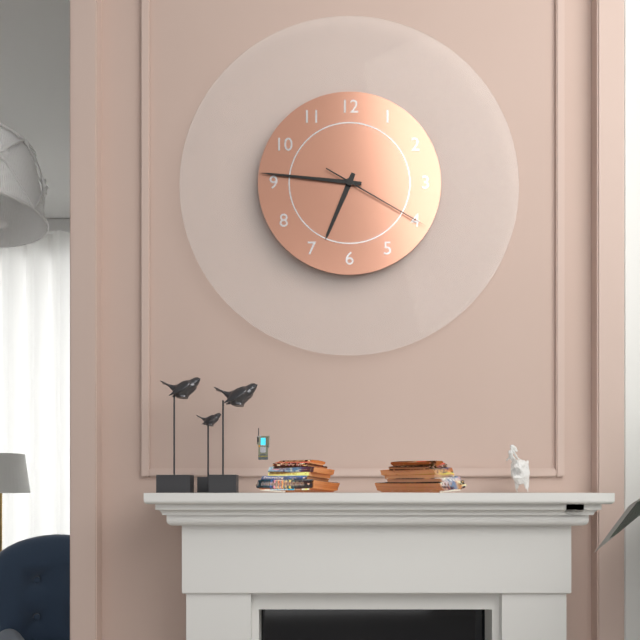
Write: 6:46:20
